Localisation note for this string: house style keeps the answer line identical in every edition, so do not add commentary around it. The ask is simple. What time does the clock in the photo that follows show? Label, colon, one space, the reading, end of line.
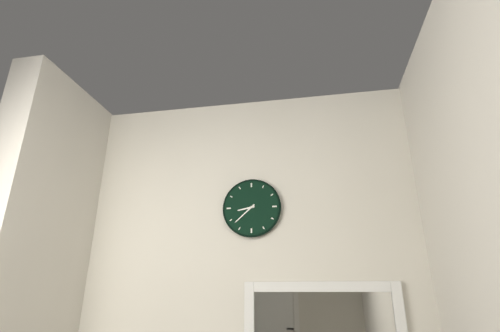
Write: 8:38
